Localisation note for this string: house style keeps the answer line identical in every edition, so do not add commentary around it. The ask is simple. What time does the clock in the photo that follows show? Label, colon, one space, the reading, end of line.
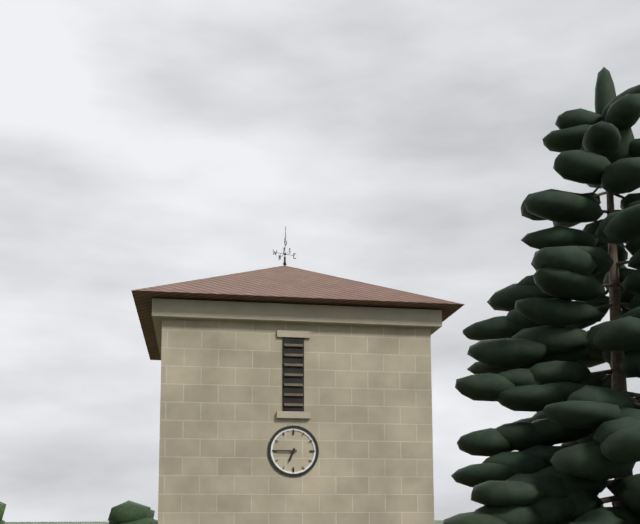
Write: 6:45
